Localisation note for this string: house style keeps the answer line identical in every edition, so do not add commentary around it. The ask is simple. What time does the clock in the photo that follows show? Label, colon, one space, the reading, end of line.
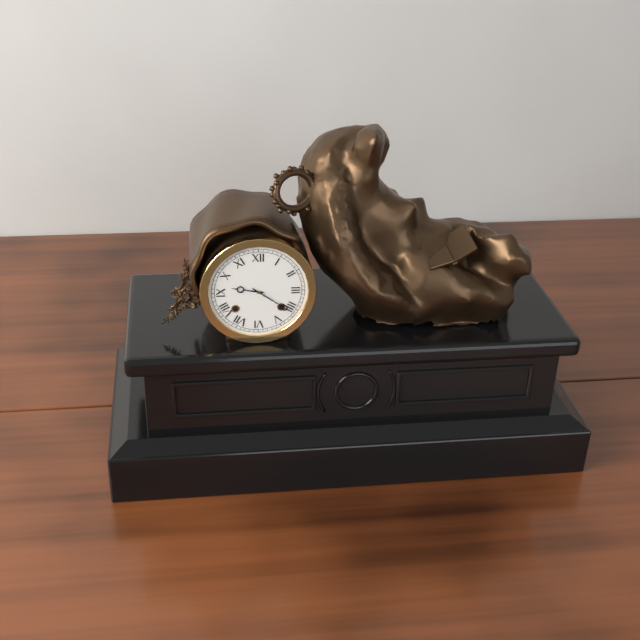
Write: 9:21
